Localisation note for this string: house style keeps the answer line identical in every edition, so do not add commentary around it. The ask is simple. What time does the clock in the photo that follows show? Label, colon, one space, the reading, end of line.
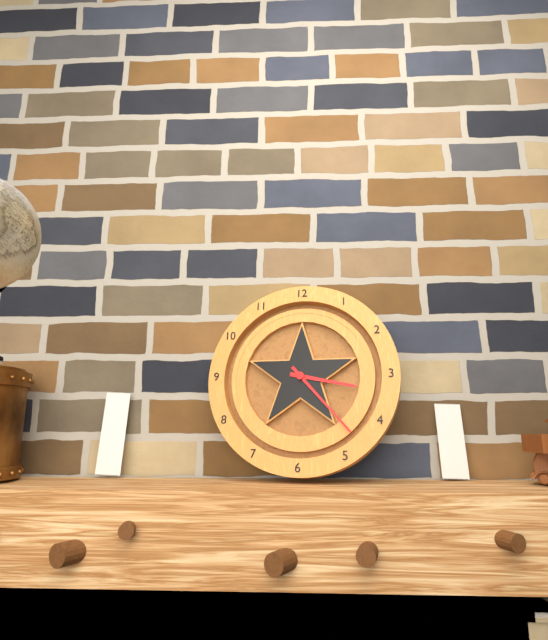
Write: 3:23
